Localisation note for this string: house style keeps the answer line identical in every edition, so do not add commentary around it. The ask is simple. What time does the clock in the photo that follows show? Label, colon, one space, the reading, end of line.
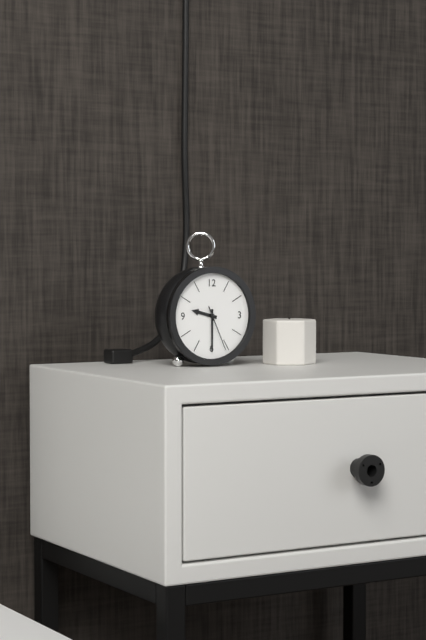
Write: 9:30
